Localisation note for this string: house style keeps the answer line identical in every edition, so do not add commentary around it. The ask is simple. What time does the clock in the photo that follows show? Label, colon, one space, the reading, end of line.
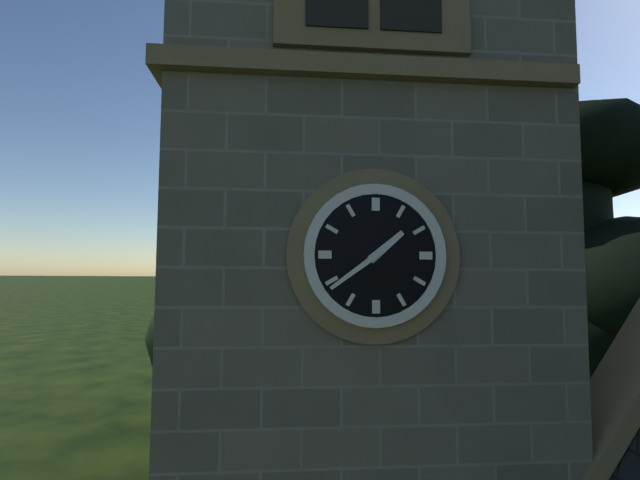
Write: 1:39
